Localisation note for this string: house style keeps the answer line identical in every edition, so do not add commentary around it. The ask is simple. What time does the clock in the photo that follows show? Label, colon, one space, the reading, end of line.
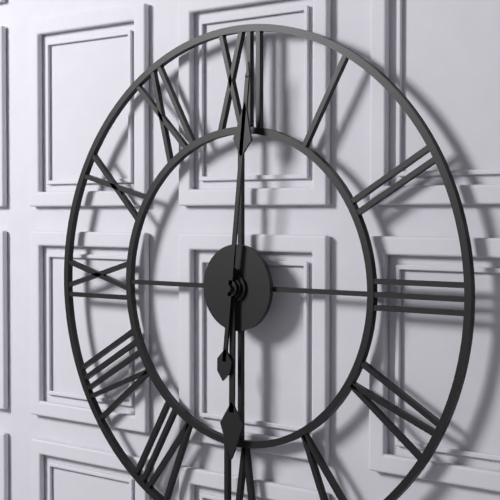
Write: 6:01
